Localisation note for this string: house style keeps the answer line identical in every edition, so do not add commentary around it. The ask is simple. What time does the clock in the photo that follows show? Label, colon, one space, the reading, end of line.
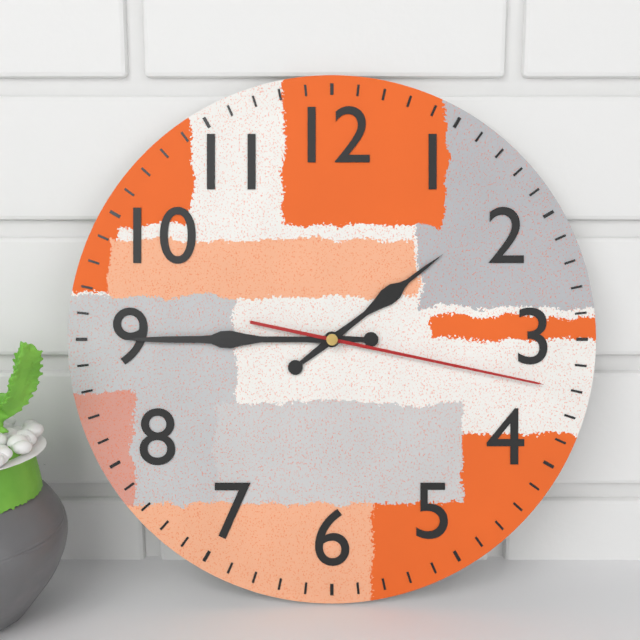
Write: 1:45:17
